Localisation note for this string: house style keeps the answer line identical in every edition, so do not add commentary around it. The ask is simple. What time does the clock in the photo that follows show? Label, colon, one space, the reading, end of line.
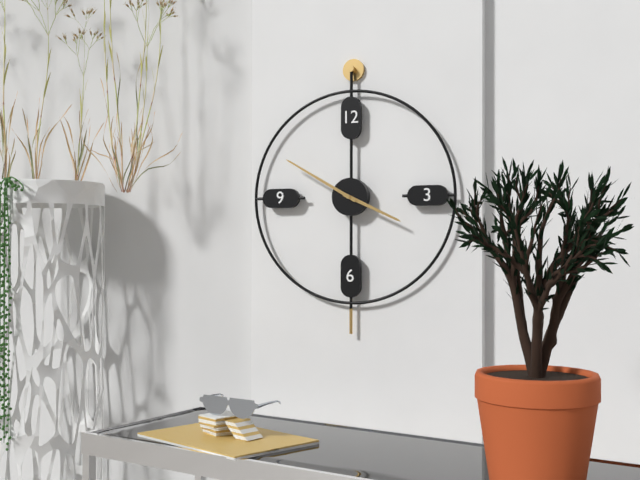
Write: 3:50
